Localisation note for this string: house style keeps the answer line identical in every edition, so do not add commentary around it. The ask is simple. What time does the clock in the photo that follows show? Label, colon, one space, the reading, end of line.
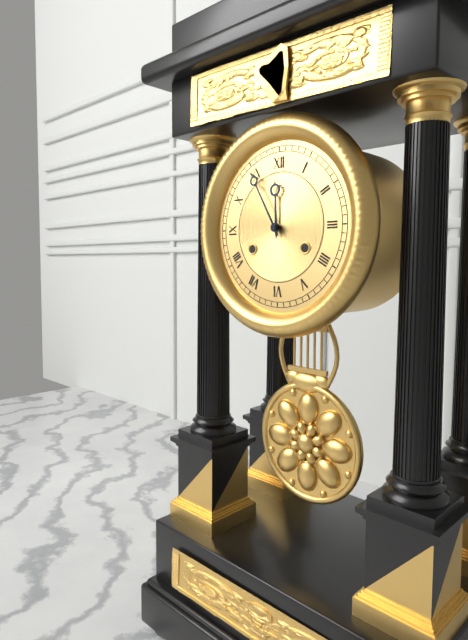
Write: 11:55
